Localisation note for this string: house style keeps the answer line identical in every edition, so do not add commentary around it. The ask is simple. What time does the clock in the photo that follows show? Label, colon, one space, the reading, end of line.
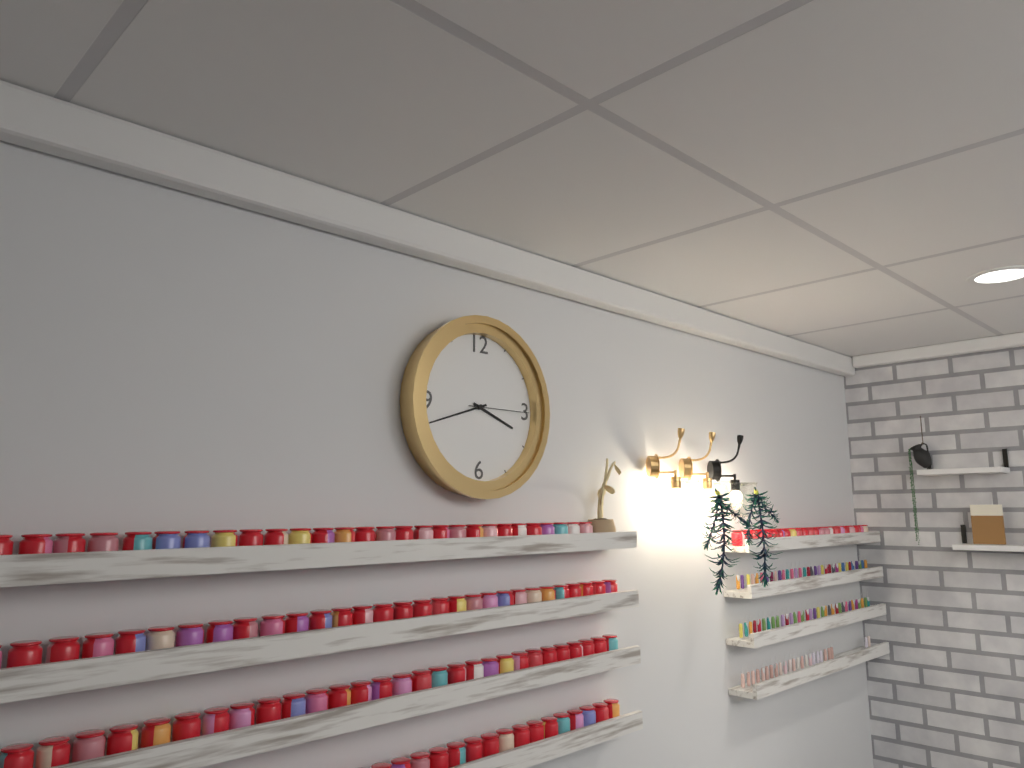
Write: 3:42:15
